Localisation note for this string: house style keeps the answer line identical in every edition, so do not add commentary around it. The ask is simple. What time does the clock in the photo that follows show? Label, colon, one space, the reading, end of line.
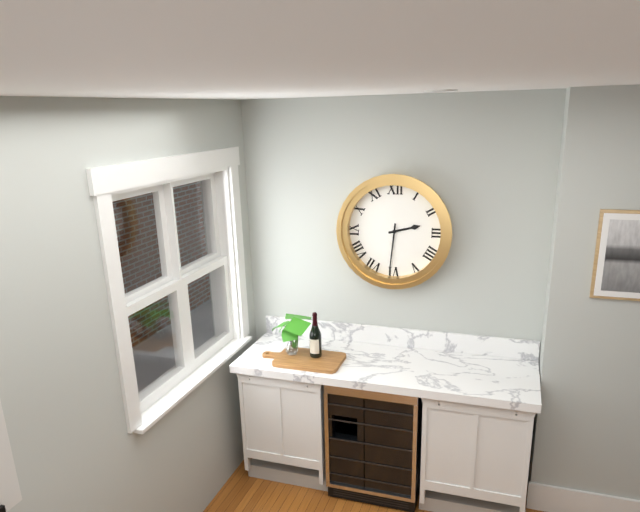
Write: 2:31
